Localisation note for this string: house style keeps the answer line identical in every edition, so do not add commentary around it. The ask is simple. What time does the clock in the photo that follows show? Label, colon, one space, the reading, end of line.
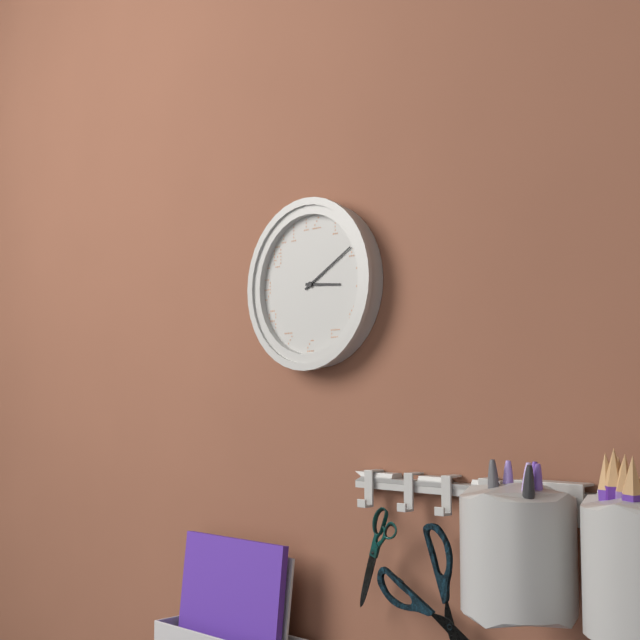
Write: 3:10
